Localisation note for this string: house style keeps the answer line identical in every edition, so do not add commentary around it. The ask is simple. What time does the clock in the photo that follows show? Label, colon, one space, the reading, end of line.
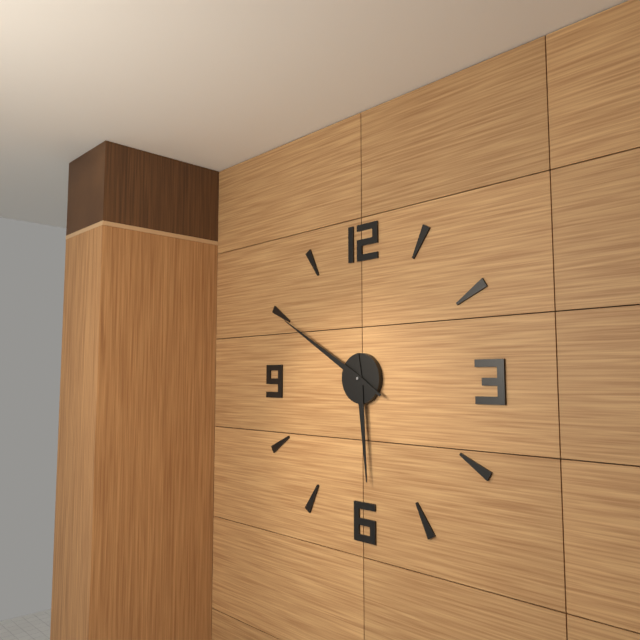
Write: 5:50
